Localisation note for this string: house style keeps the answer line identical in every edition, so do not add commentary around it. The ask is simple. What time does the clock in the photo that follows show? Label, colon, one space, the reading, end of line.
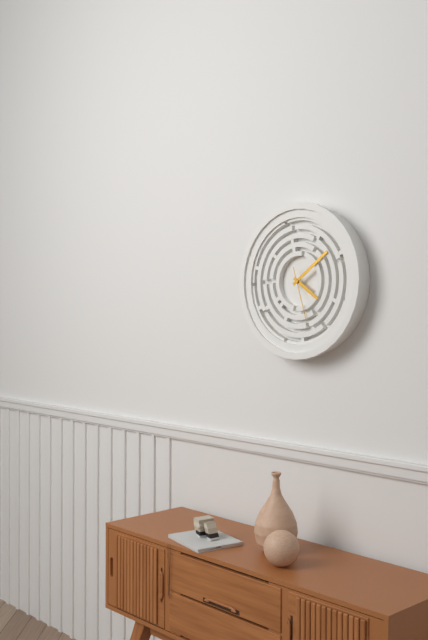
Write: 4:09
